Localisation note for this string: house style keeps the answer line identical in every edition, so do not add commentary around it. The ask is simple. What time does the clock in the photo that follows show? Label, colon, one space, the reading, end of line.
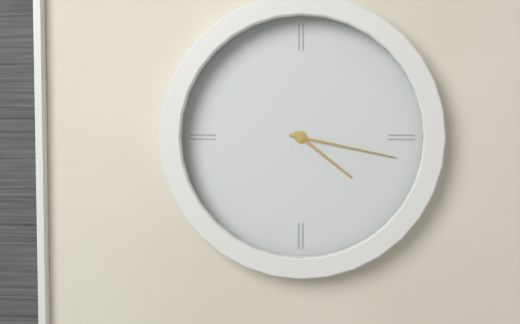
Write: 4:17
